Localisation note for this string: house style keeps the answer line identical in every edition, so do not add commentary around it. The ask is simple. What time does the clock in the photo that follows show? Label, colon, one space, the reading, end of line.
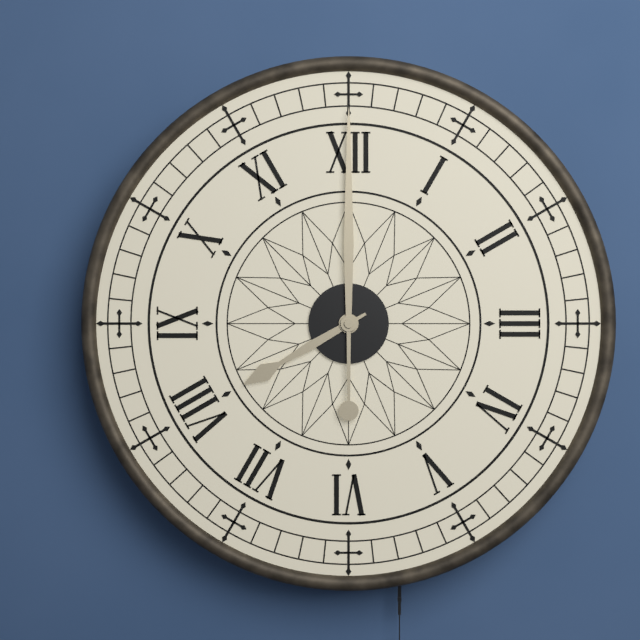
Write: 8:00
